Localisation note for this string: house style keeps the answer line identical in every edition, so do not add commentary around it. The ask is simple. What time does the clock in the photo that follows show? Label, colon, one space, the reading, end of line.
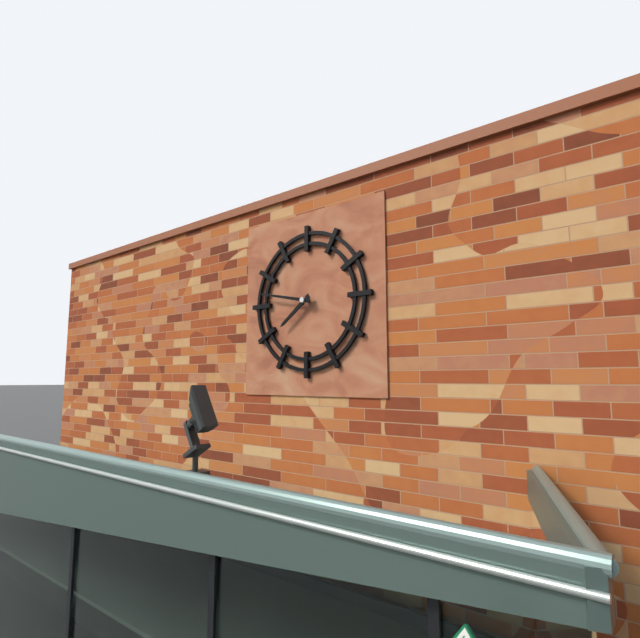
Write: 7:47
